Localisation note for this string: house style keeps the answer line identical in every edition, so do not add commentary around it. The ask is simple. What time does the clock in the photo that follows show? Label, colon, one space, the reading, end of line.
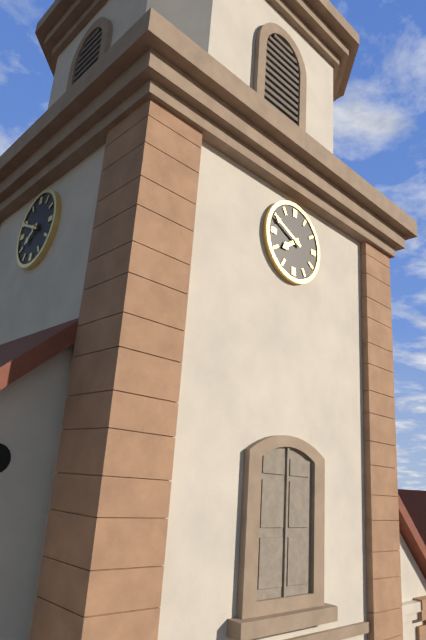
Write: 7:49
